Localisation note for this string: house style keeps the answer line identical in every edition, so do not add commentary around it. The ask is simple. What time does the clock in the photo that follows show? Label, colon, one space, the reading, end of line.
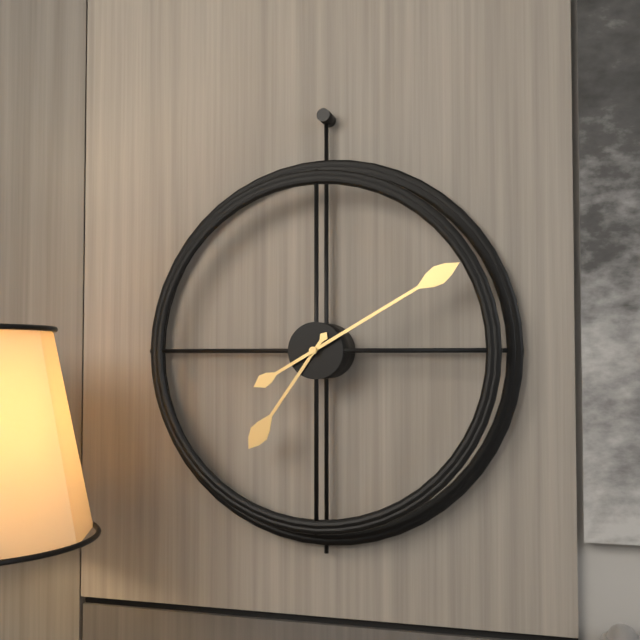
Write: 7:10
